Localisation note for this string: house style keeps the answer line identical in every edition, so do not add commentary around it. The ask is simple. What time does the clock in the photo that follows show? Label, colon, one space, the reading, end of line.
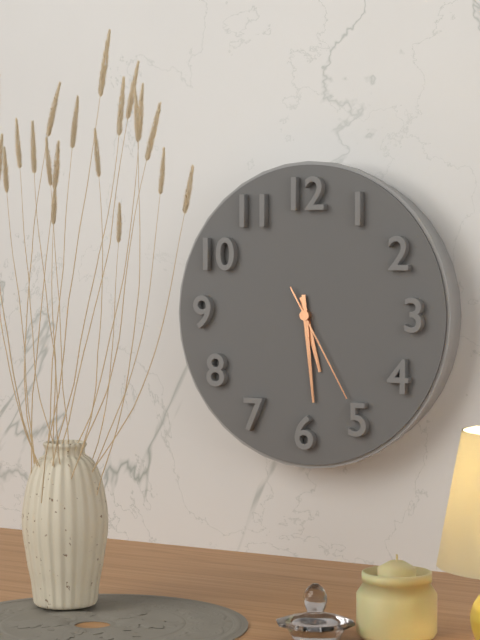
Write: 5:29:25
